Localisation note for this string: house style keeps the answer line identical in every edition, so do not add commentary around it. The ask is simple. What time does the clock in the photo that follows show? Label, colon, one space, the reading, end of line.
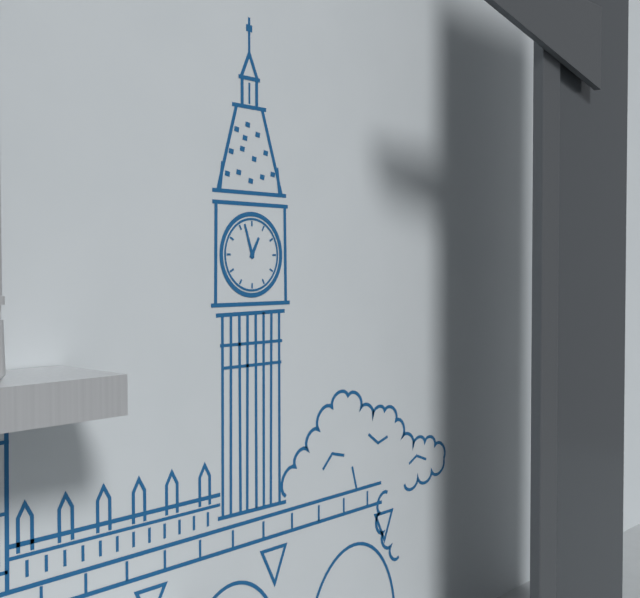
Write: 12:57
